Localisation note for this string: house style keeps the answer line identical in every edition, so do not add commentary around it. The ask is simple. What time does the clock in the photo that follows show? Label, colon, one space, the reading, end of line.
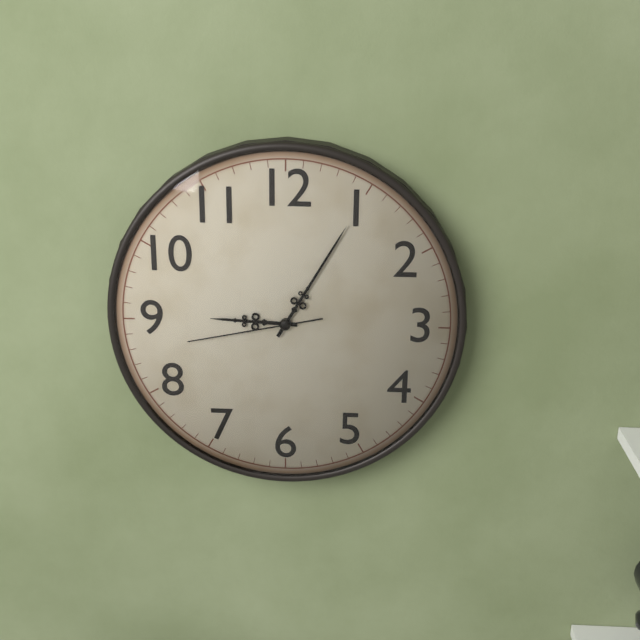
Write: 9:05:43
